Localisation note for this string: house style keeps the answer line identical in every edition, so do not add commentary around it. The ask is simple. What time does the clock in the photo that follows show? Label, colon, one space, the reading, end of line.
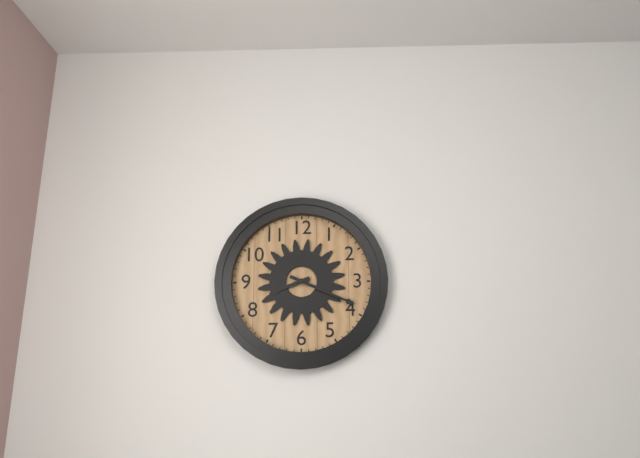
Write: 8:19
